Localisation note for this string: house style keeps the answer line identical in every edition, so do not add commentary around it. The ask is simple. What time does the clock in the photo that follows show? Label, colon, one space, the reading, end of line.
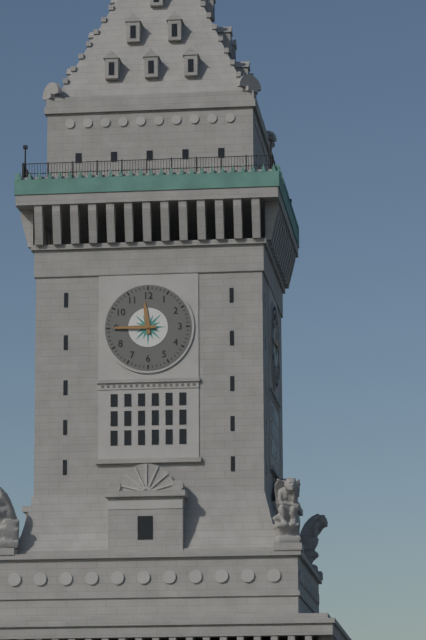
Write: 11:45
